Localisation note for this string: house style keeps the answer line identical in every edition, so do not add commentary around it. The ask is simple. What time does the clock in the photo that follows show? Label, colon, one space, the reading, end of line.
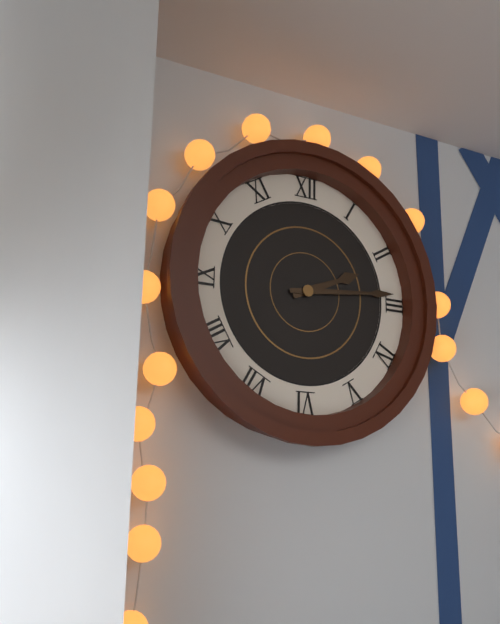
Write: 2:14
